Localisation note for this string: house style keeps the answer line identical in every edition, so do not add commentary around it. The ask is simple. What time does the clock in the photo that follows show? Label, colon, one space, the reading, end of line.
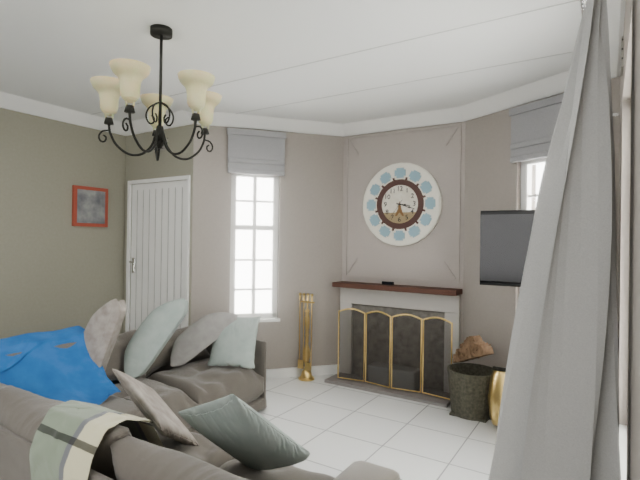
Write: 3:18
